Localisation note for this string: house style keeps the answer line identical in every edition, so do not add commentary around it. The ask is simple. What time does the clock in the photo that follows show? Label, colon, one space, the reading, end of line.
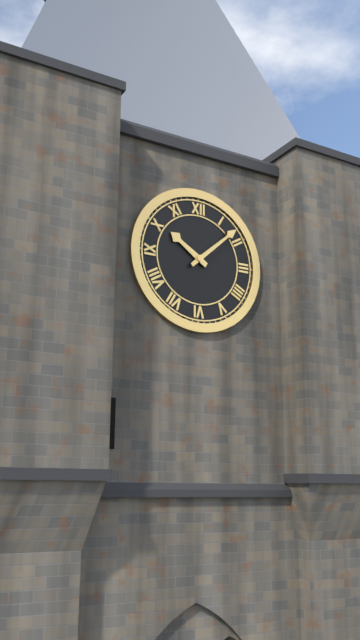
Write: 10:08
